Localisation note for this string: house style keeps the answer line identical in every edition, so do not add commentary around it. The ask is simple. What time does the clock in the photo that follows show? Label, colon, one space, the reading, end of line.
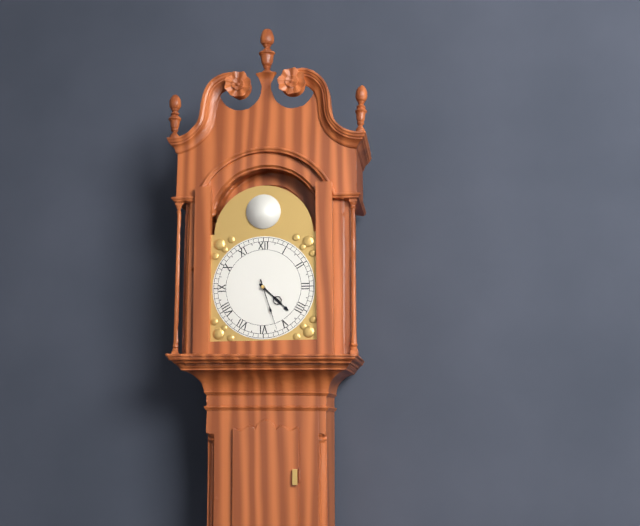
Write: 4:27
